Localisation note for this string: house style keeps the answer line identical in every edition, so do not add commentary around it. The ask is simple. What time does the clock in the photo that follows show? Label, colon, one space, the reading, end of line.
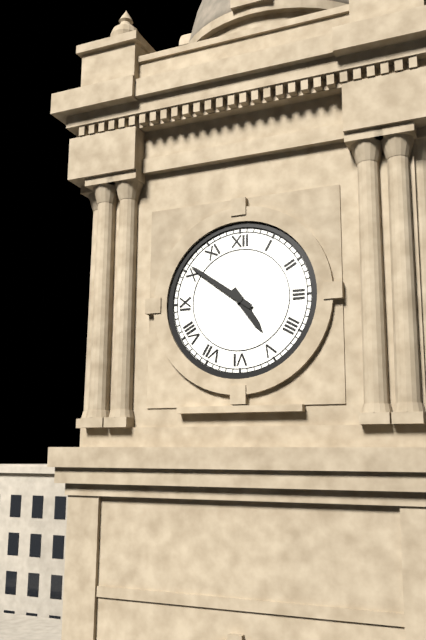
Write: 4:51
